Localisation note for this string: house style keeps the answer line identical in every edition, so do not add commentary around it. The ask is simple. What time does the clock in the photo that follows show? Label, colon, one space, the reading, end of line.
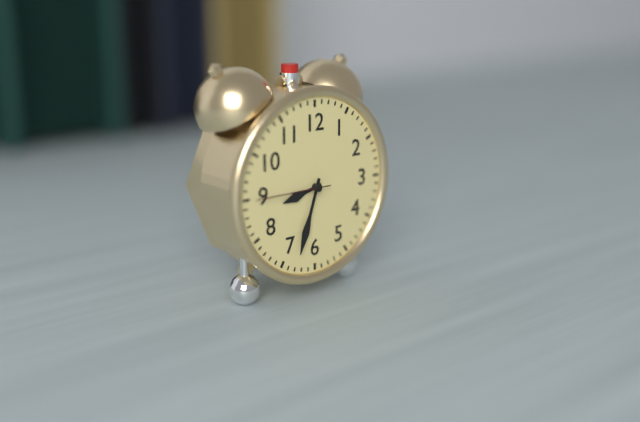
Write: 8:33:45
